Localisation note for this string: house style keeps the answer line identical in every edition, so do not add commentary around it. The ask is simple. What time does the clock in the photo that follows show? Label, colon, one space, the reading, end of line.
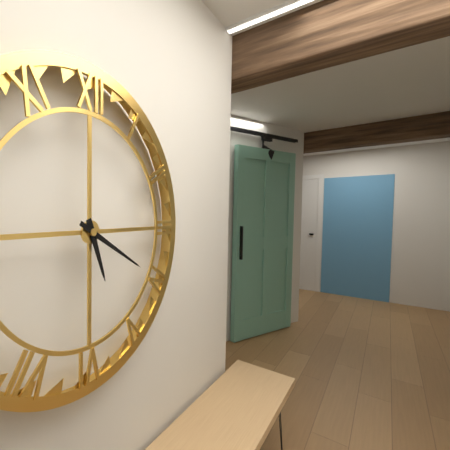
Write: 5:20
